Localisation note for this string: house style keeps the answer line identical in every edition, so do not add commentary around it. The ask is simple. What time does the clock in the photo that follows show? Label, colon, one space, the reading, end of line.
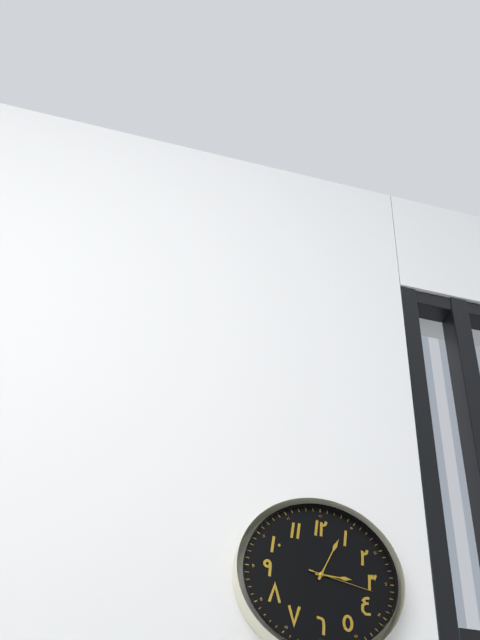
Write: 3:04:17
